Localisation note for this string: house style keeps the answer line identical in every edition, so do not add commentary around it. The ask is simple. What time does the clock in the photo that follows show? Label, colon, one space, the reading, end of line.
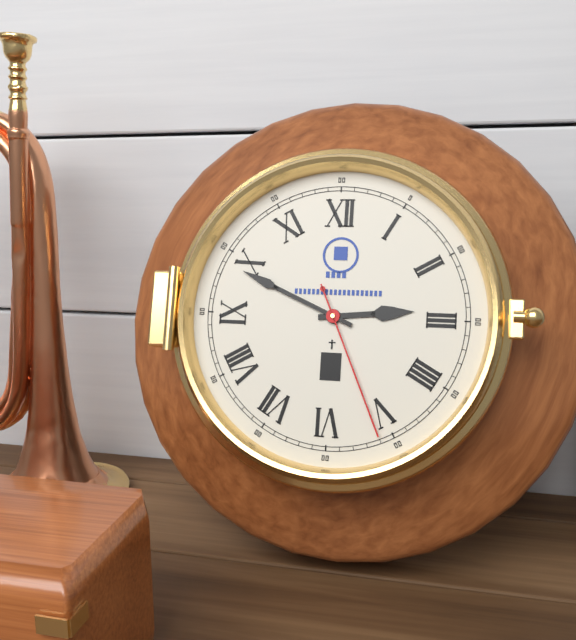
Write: 2:49:26
